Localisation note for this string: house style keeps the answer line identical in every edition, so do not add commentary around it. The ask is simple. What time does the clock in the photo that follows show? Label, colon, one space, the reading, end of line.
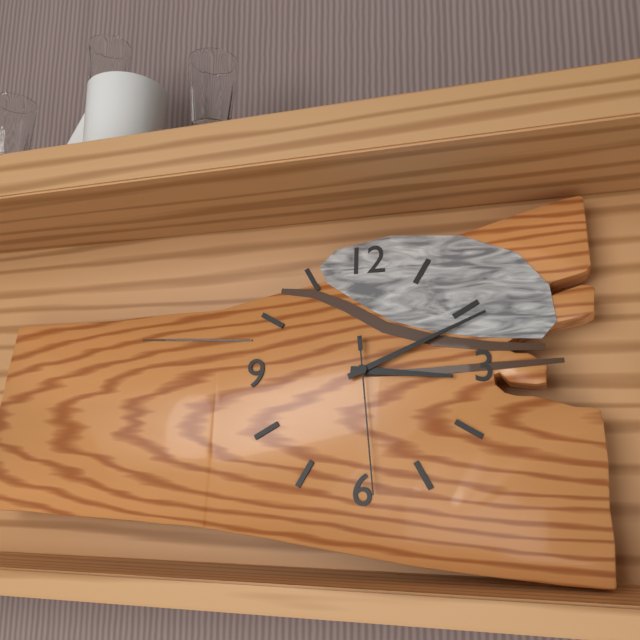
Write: 3:11:29
